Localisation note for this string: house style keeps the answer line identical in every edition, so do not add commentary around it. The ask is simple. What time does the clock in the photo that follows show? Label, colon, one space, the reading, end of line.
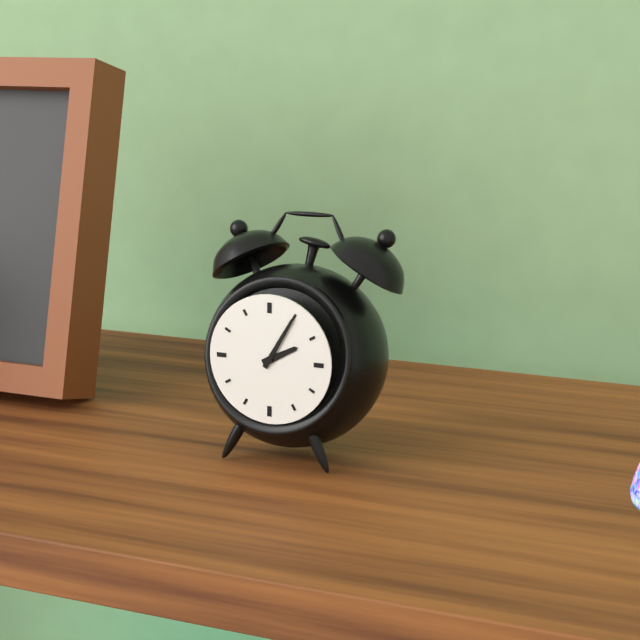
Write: 2:05
